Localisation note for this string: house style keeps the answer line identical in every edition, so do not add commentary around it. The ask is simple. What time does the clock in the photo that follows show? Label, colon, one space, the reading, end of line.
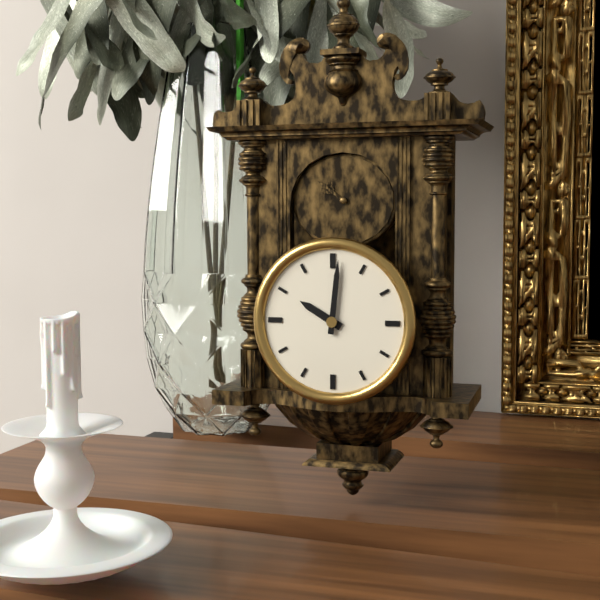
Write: 10:01
